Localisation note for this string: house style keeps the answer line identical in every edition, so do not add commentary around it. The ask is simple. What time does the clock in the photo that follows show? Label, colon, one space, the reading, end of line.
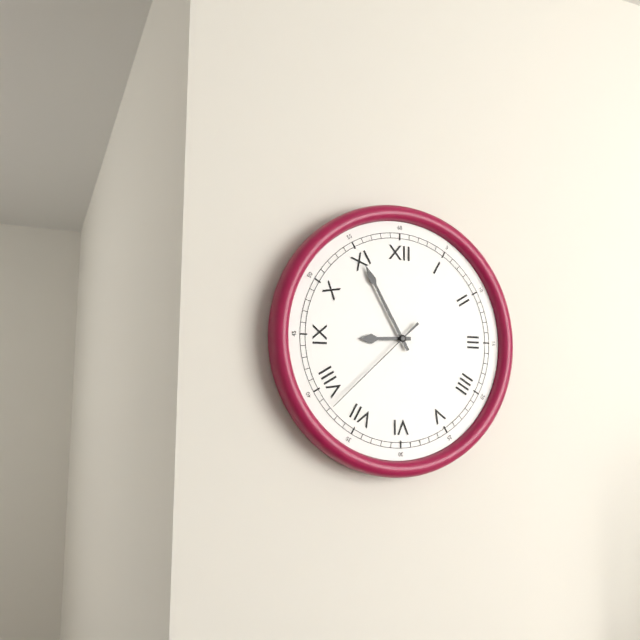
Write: 8:55:38
